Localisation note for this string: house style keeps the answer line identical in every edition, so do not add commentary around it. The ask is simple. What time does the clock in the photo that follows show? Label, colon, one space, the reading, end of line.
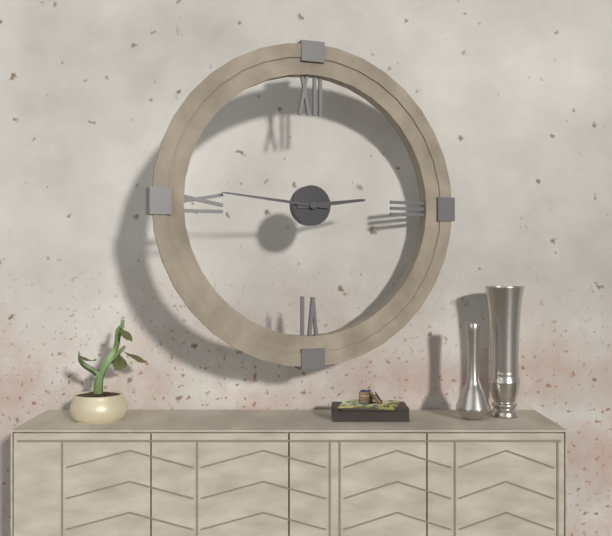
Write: 2:46
